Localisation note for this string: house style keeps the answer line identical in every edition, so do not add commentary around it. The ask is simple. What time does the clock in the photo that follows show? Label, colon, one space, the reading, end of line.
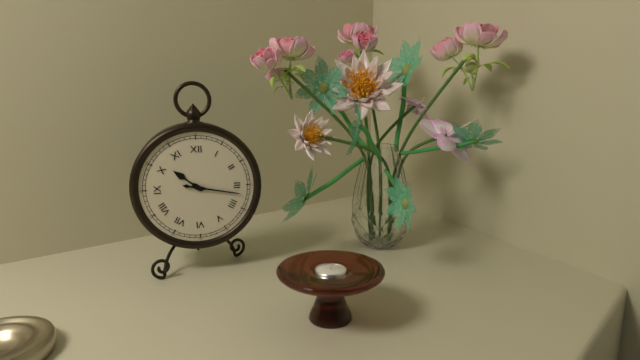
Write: 10:17
